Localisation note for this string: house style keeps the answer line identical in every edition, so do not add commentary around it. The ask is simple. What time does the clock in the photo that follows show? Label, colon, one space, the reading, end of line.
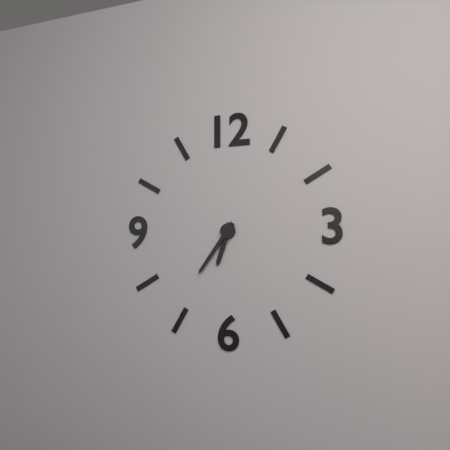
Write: 6:36
